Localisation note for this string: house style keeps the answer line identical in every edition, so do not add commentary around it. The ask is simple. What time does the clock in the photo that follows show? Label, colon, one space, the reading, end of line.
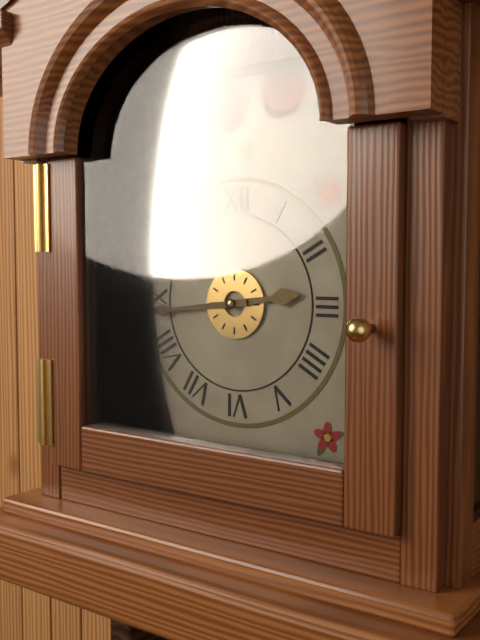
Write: 2:44
